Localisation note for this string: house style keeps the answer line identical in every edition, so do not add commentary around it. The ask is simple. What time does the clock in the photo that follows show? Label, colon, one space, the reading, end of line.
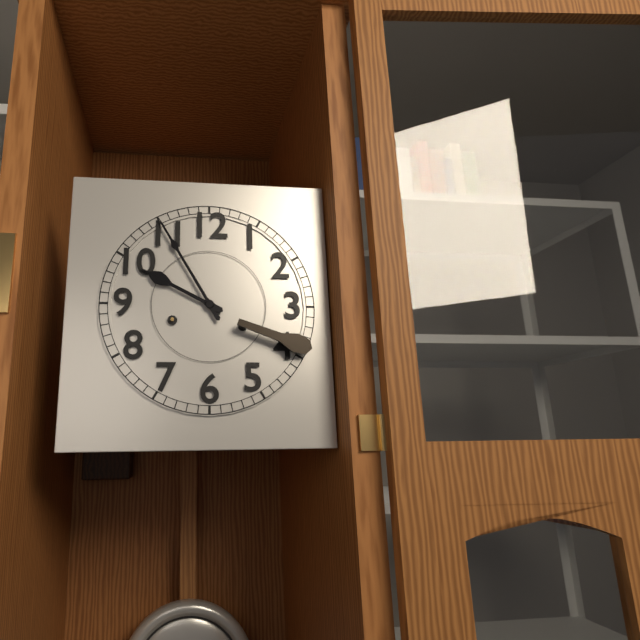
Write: 9:55
